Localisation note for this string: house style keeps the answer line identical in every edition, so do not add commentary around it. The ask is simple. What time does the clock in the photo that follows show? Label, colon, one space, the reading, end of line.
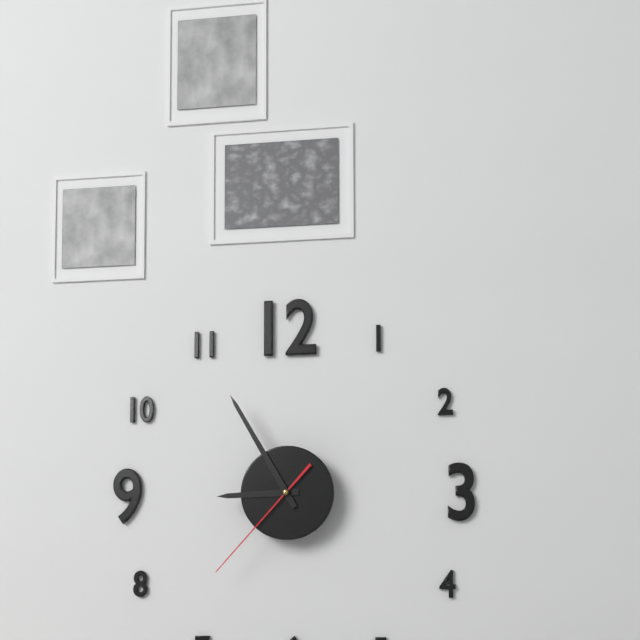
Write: 8:55:37
